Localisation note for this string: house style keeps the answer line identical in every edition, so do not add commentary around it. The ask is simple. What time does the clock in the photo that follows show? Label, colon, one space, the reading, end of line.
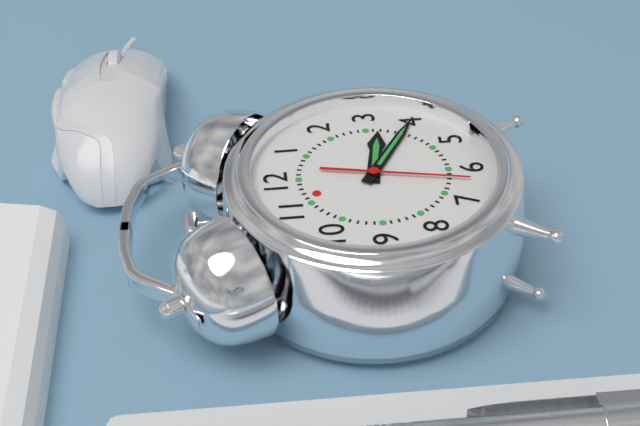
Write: 3:20:32
